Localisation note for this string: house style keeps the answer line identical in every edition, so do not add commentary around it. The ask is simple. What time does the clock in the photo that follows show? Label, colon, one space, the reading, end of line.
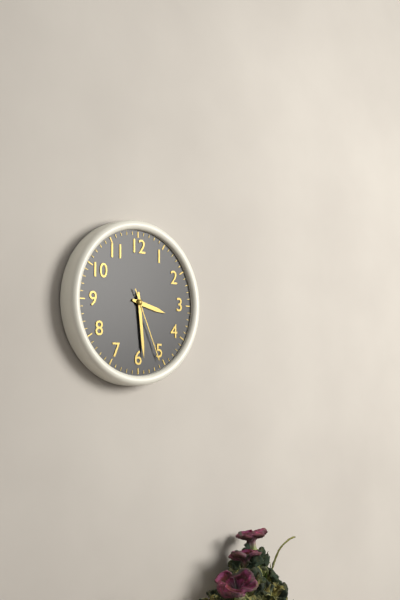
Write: 3:29:26
